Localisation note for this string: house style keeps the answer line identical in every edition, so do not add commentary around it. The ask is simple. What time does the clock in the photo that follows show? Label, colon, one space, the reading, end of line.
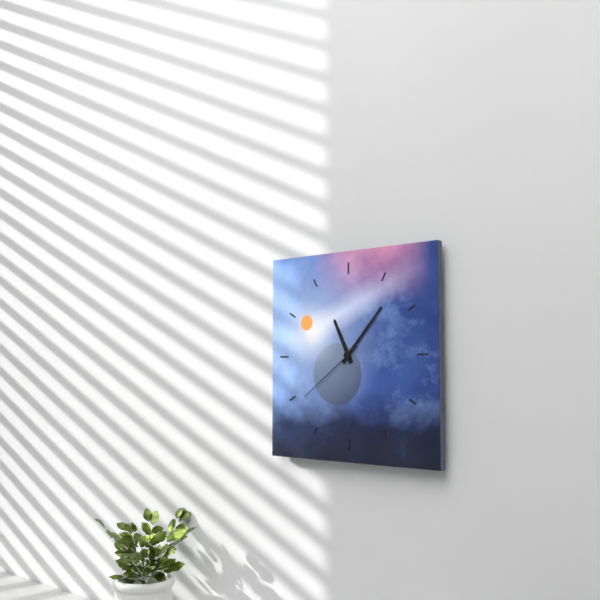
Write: 11:07:39
